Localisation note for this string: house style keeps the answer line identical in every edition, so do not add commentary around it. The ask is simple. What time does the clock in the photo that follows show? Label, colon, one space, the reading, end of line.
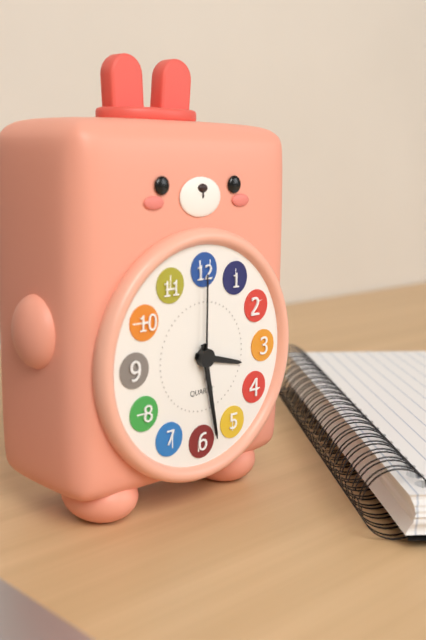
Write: 3:28:00
